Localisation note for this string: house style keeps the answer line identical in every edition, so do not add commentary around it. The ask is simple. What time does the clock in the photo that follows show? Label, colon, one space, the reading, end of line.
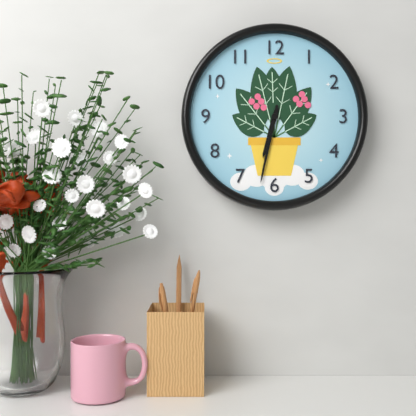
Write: 6:32
